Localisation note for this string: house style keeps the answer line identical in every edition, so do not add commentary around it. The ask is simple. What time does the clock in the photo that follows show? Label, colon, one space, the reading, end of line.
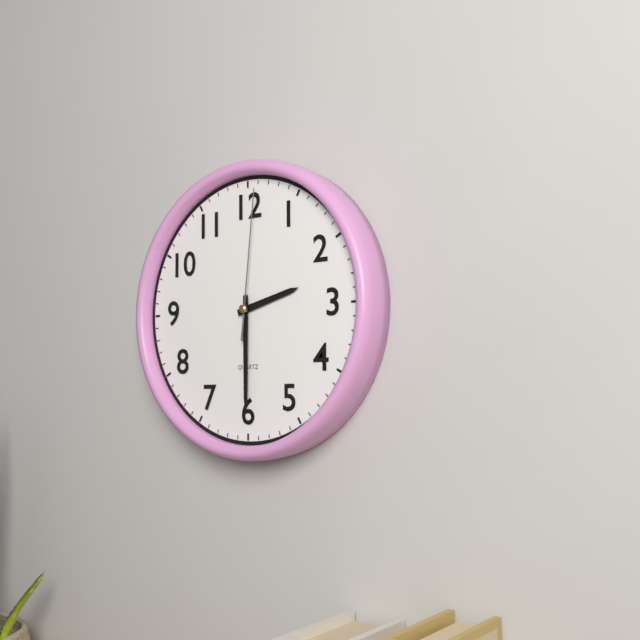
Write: 2:30:01
